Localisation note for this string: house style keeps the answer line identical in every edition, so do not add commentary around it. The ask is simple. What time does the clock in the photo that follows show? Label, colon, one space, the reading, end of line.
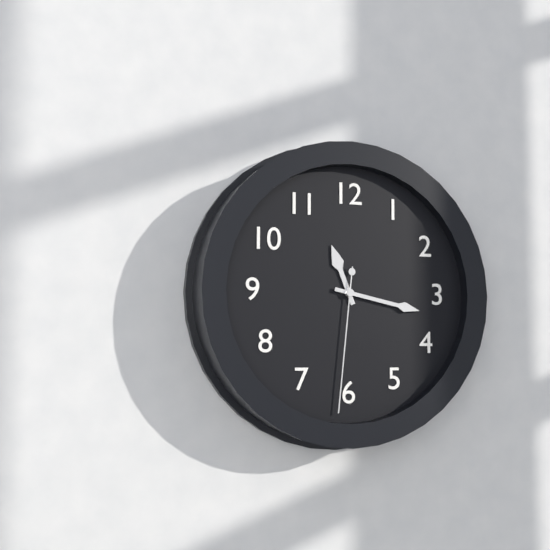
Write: 11:17:31
